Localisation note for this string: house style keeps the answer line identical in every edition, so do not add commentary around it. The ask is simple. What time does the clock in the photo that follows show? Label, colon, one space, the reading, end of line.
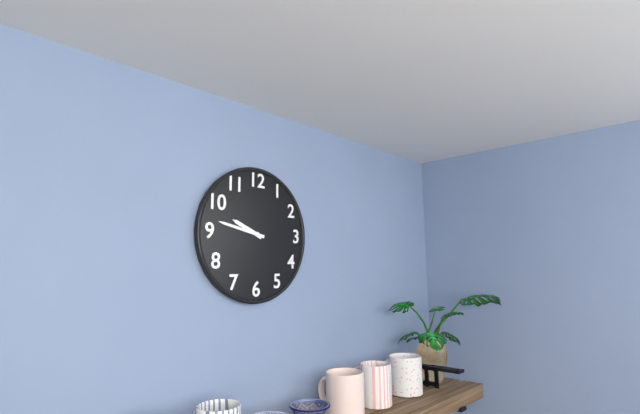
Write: 9:47
